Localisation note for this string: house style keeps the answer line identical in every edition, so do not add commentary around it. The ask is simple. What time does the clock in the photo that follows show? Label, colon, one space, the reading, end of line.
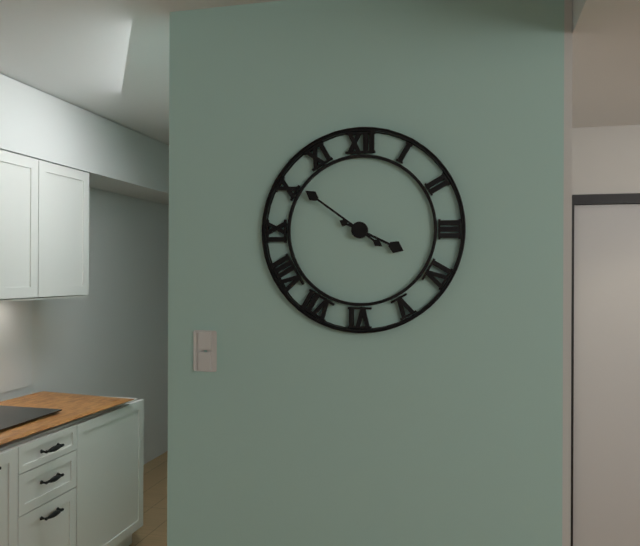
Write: 3:51
